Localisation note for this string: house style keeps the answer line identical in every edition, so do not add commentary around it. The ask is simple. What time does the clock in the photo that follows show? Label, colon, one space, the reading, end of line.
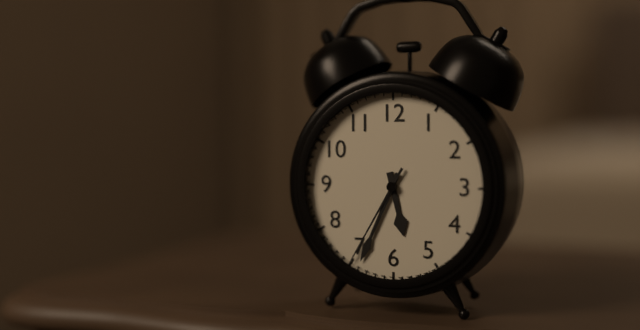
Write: 5:34:35
